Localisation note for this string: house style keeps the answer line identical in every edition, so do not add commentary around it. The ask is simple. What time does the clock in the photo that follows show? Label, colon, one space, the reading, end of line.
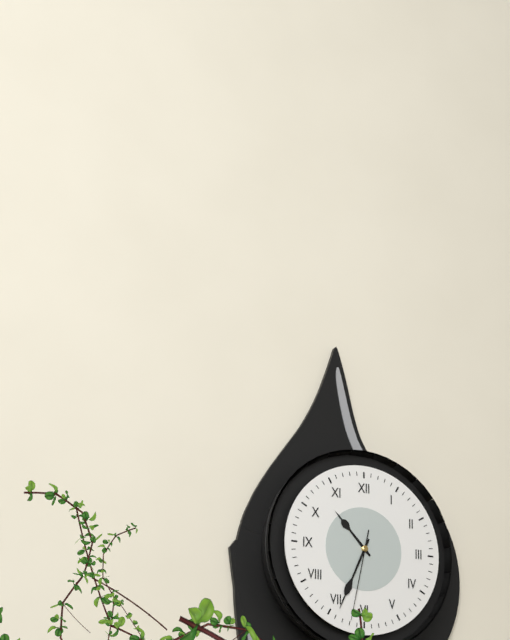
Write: 10:34:32
